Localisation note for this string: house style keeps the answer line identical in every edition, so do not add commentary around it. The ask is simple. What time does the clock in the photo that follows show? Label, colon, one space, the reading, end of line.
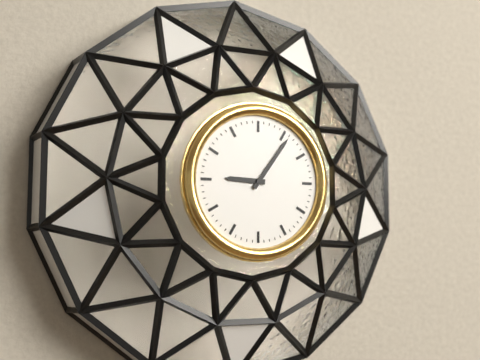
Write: 9:06
